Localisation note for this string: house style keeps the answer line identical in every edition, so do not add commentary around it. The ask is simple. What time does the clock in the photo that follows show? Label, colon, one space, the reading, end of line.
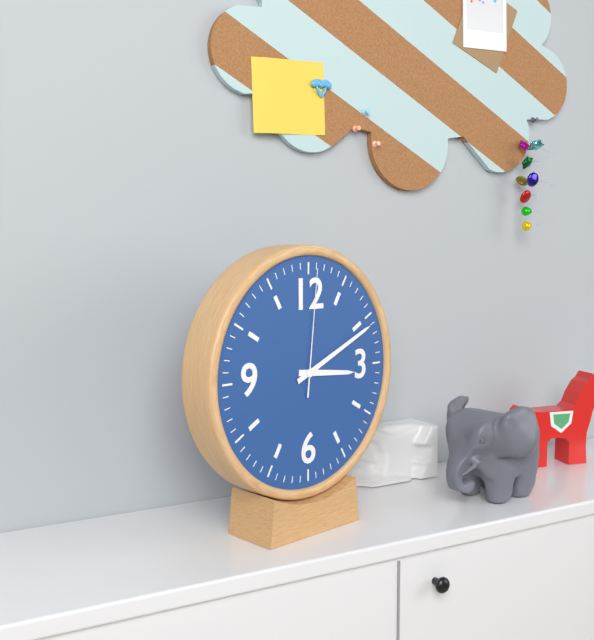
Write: 3:11:01
